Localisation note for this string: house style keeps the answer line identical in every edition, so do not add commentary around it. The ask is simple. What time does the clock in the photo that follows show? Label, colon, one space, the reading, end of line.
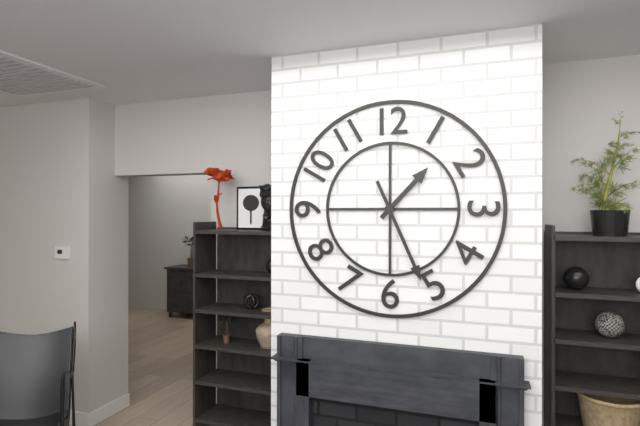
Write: 1:26
